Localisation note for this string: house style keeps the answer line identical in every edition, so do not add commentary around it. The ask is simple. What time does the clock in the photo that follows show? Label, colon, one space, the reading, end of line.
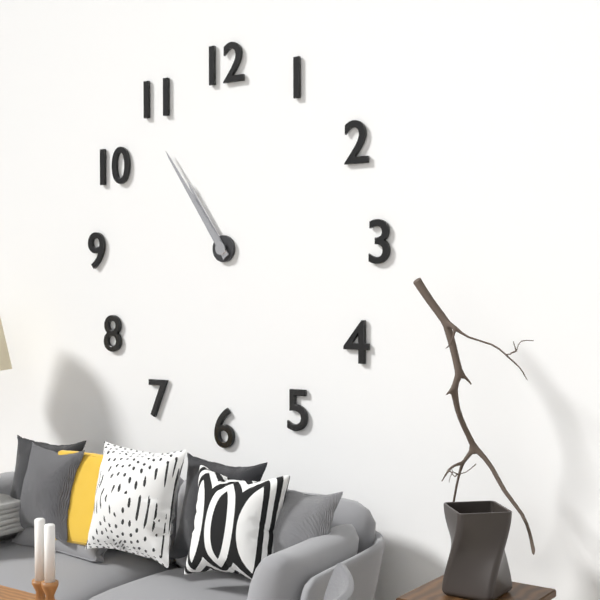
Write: 10:54
